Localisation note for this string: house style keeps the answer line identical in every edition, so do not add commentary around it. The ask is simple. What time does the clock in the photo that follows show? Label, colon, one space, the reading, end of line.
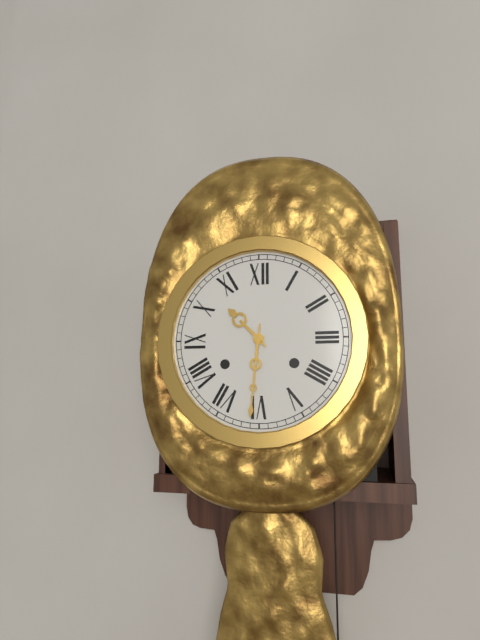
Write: 10:31
